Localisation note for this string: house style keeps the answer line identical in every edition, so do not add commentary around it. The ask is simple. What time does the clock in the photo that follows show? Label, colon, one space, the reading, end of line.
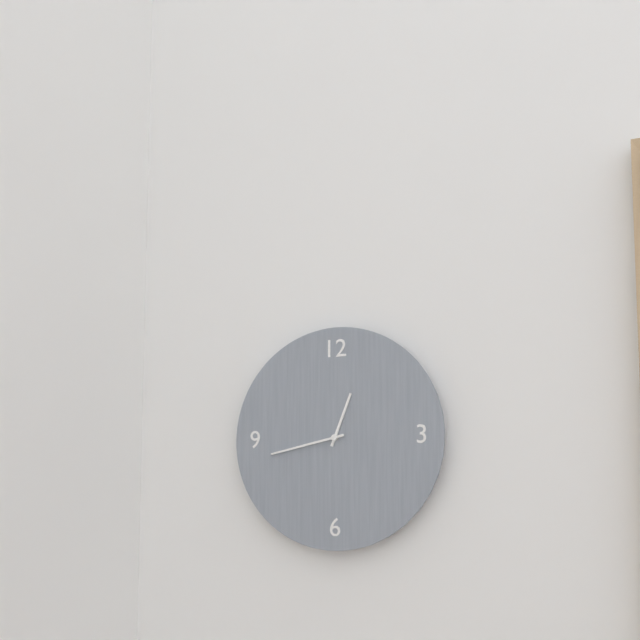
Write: 12:43
